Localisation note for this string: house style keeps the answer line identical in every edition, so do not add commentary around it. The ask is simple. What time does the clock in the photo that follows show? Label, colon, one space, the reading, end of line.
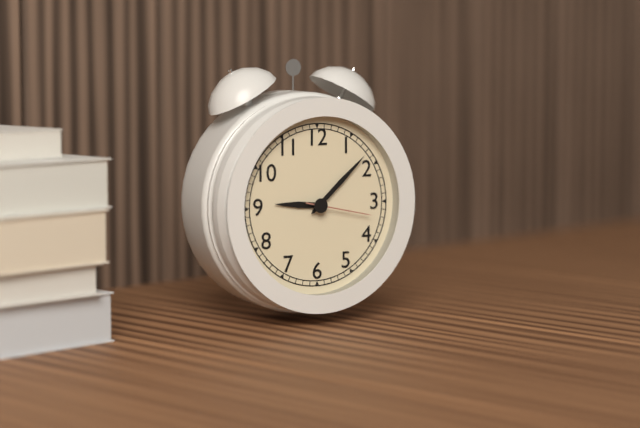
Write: 9:08:17
